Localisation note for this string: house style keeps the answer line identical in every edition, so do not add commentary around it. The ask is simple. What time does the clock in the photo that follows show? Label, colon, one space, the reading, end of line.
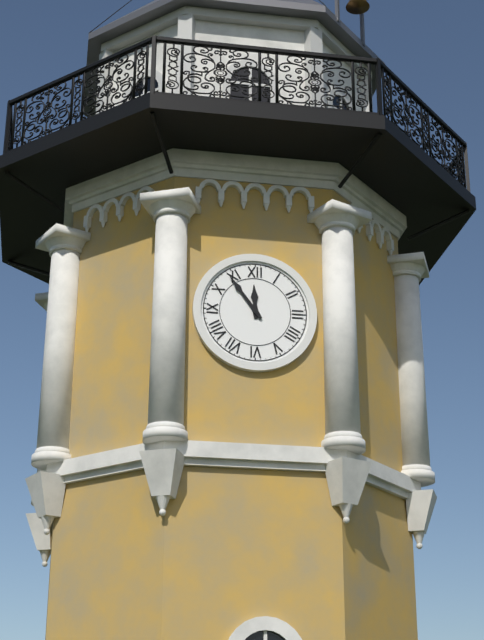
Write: 11:54
